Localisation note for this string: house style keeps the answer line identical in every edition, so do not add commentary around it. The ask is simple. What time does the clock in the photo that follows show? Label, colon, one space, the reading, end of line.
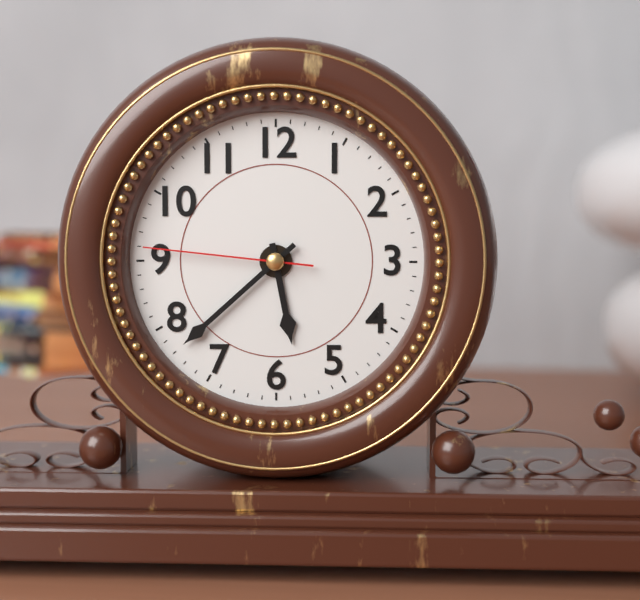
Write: 5:38:46
